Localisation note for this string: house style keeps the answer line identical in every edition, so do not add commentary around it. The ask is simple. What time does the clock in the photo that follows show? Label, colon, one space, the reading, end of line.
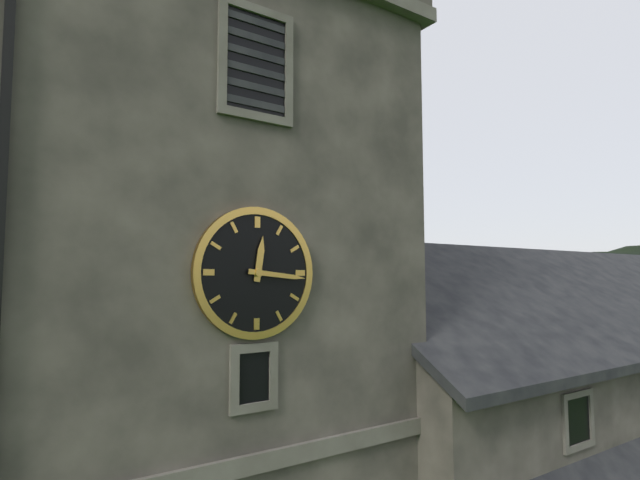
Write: 12:16
